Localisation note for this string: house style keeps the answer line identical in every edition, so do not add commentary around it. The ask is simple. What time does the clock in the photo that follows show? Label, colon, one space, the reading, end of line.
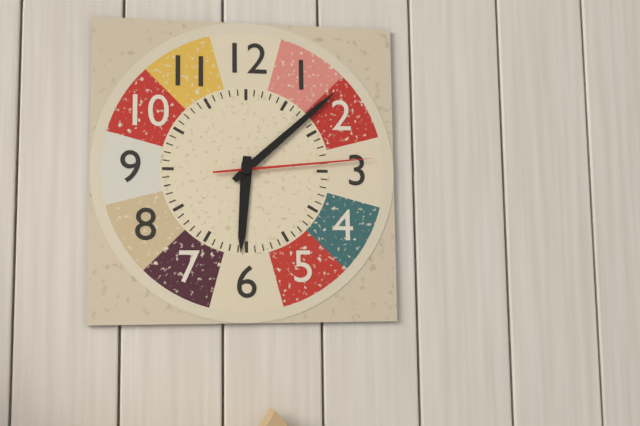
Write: 6:08:14
